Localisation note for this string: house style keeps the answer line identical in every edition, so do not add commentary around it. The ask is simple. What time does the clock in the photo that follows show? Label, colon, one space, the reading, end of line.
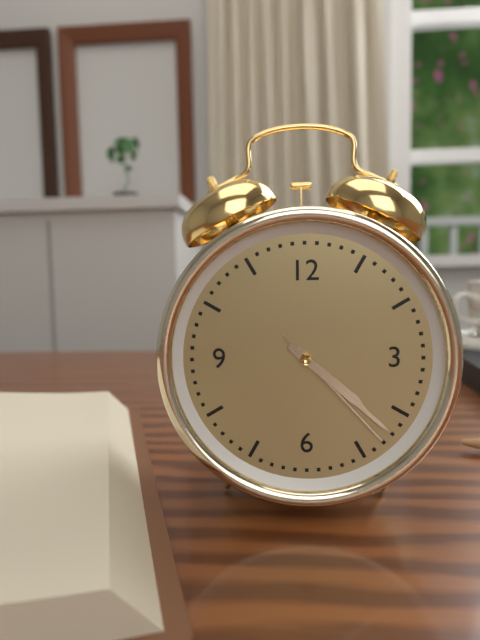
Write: 4:22:23
